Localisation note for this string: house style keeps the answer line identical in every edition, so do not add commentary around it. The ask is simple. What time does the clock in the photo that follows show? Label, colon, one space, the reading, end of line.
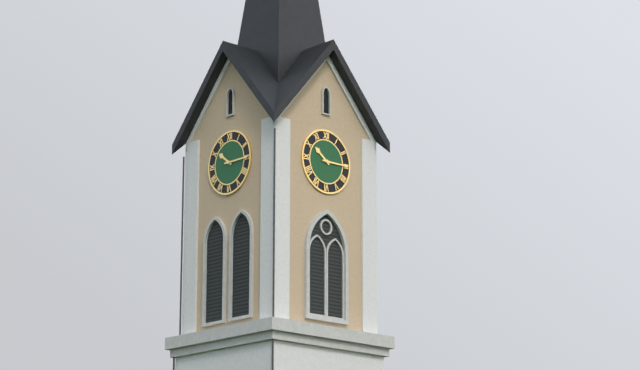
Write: 10:15
